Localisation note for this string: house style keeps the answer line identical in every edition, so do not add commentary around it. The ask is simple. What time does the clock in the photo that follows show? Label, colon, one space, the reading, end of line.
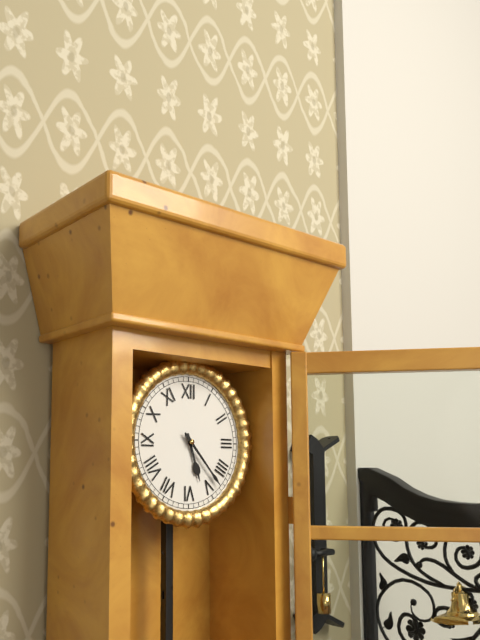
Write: 5:23
